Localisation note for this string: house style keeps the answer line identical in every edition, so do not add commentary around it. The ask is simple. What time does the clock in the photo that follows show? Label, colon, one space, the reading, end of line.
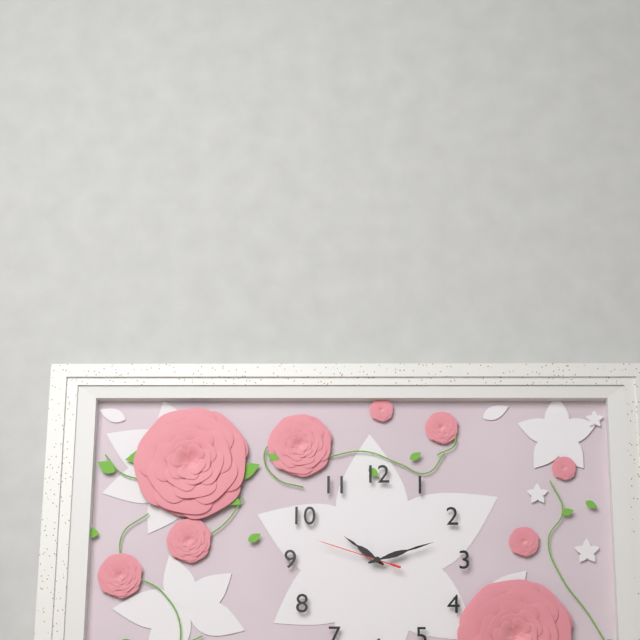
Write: 10:12:48
